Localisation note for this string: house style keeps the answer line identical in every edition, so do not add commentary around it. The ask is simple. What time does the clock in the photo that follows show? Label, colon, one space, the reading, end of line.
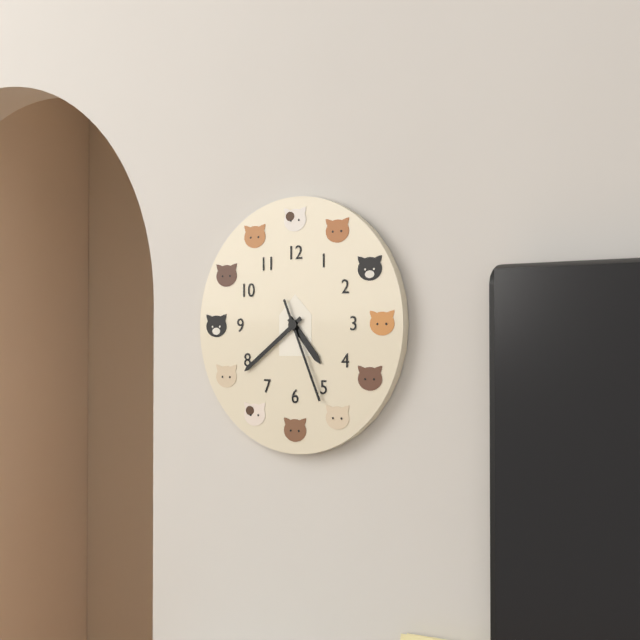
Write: 4:39:26
